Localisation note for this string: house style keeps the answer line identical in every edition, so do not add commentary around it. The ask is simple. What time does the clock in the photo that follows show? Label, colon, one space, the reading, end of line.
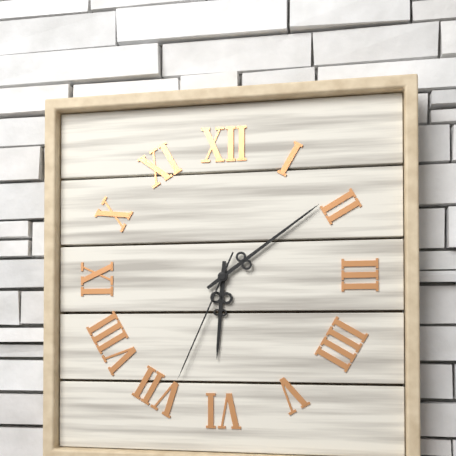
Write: 6:09:34
